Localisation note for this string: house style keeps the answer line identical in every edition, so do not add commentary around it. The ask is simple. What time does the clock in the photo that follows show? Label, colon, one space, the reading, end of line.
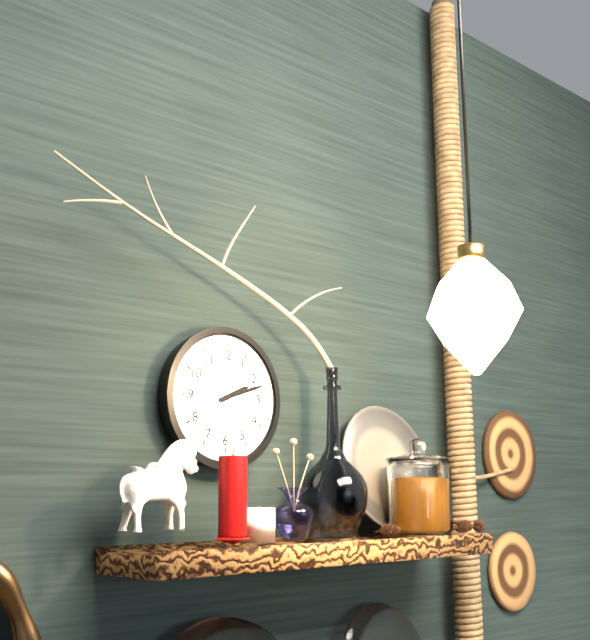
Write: 2:12
